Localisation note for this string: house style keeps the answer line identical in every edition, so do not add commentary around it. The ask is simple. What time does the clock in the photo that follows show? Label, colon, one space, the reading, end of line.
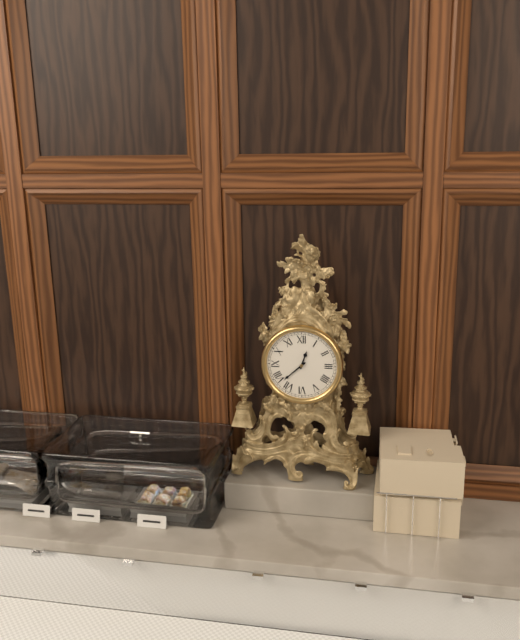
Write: 12:38
